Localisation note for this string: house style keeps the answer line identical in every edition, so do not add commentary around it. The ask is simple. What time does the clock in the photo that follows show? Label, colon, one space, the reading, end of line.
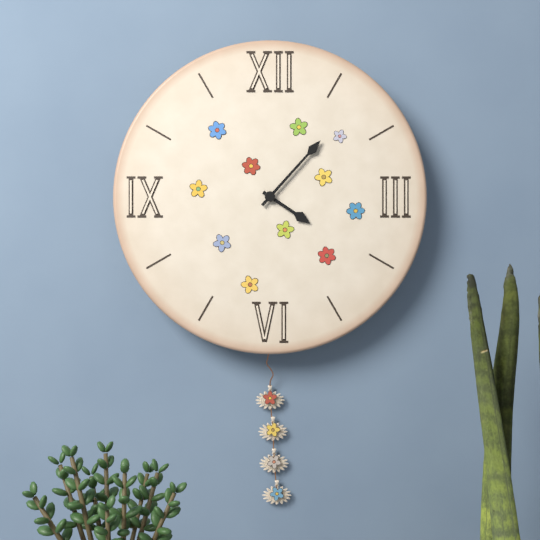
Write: 4:07
